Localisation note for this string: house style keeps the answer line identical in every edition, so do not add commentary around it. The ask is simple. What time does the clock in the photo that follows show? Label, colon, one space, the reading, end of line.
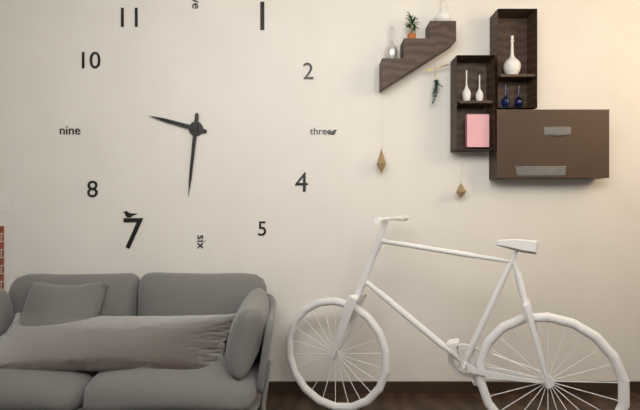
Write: 9:31
